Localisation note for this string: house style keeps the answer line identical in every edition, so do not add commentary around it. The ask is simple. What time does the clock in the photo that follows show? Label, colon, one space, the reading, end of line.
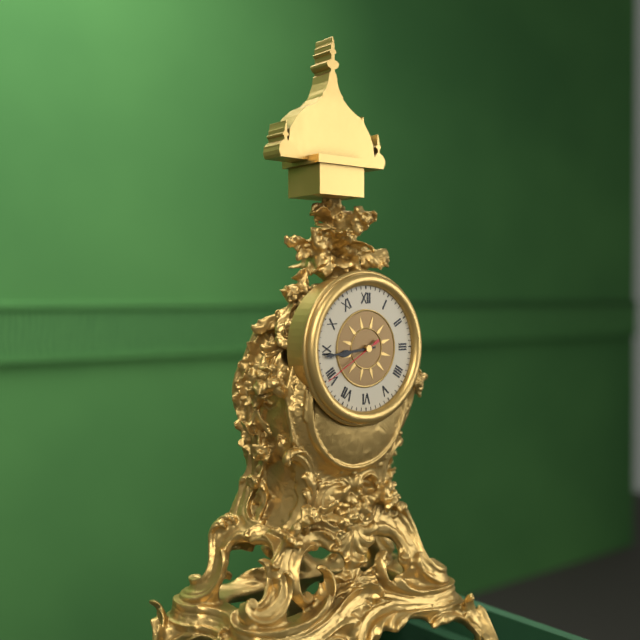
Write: 8:44:40
